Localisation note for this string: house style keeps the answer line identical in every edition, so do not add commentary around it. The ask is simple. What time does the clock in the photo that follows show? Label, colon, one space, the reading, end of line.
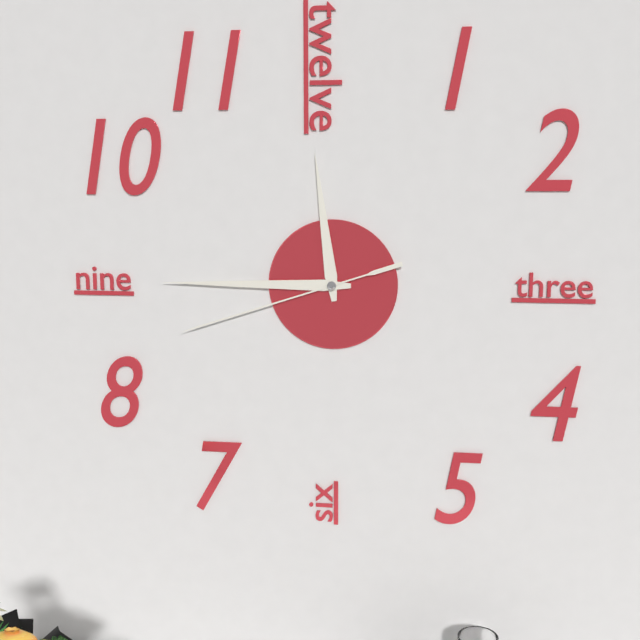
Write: 11:45:42
